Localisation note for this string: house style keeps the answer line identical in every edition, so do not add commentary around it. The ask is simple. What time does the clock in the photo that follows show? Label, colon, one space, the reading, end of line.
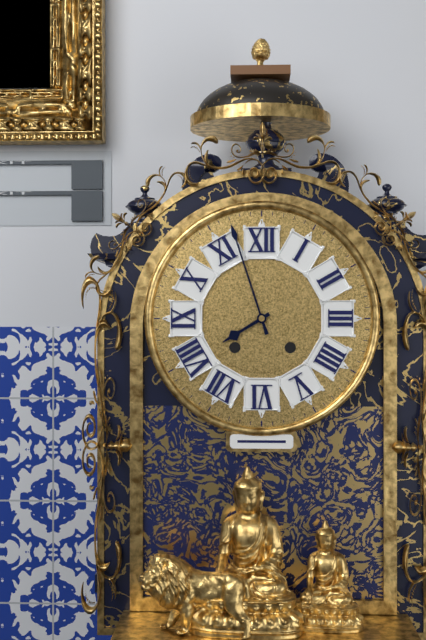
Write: 7:57
